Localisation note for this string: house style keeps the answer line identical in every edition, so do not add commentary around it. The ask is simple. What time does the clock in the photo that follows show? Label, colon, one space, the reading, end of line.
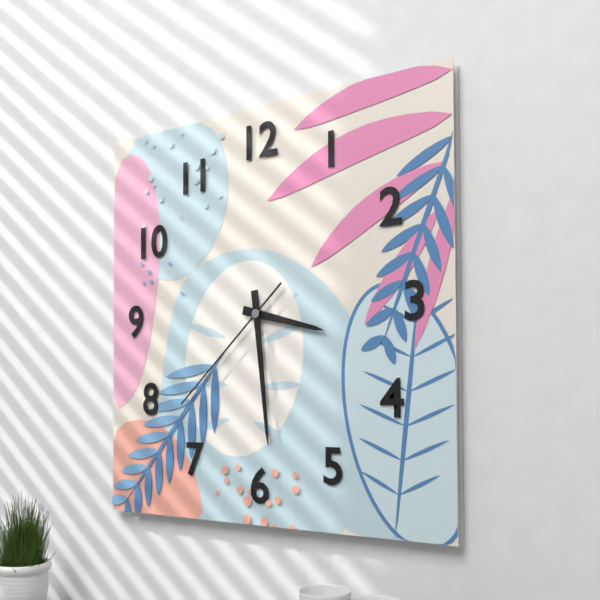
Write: 3:29:38
